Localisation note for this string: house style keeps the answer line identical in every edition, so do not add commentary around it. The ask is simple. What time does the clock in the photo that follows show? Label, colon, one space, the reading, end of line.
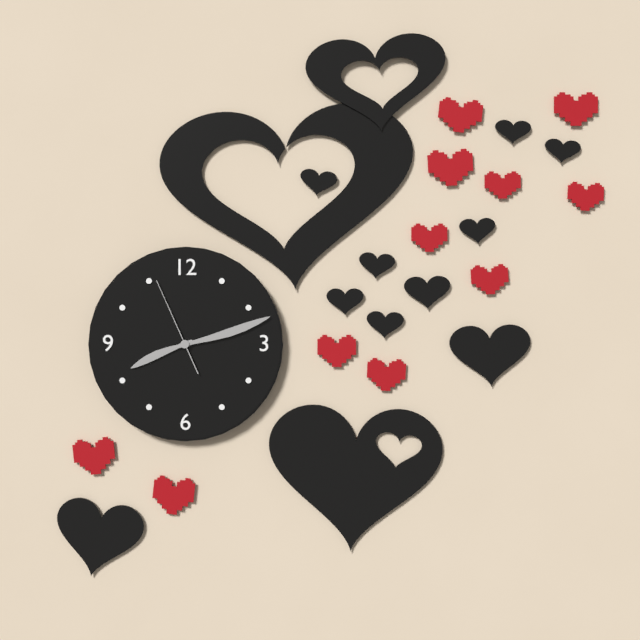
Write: 8:12:56
